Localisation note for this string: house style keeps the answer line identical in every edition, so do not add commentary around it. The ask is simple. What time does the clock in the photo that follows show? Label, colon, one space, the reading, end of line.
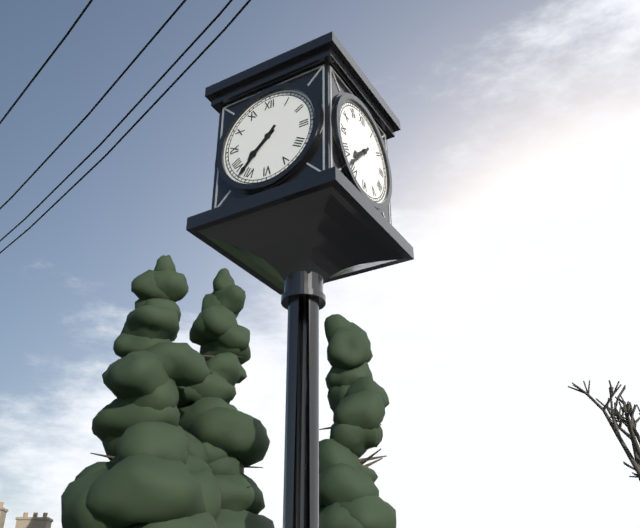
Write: 7:37
